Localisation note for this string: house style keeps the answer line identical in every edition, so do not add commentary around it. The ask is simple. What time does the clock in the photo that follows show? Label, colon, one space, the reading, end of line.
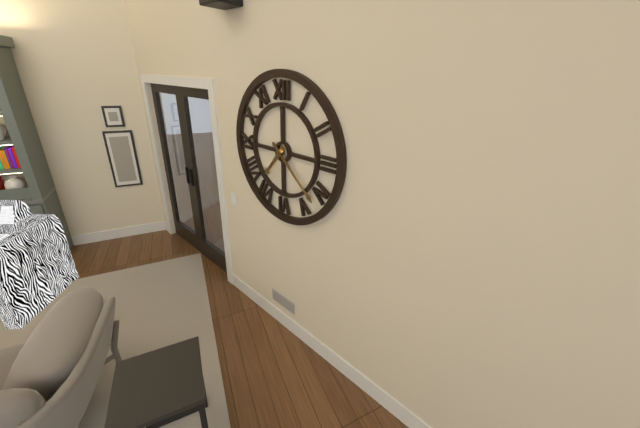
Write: 7:22
